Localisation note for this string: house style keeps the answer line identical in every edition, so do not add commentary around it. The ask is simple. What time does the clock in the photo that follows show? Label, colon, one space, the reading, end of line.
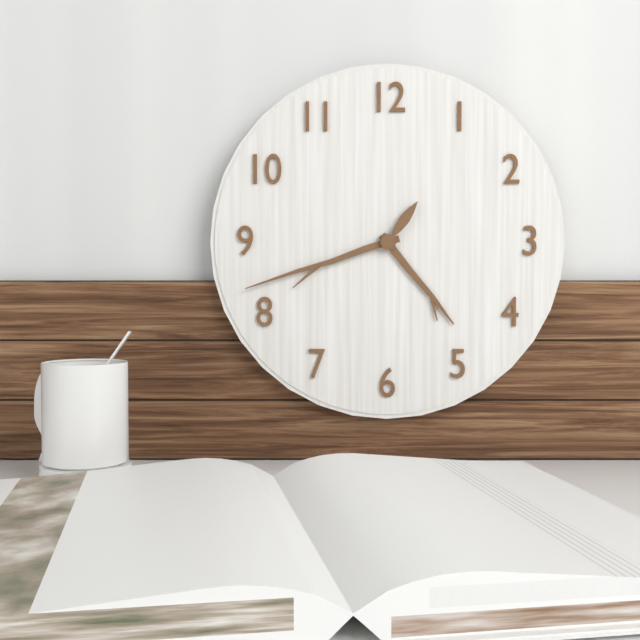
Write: 4:42:06
